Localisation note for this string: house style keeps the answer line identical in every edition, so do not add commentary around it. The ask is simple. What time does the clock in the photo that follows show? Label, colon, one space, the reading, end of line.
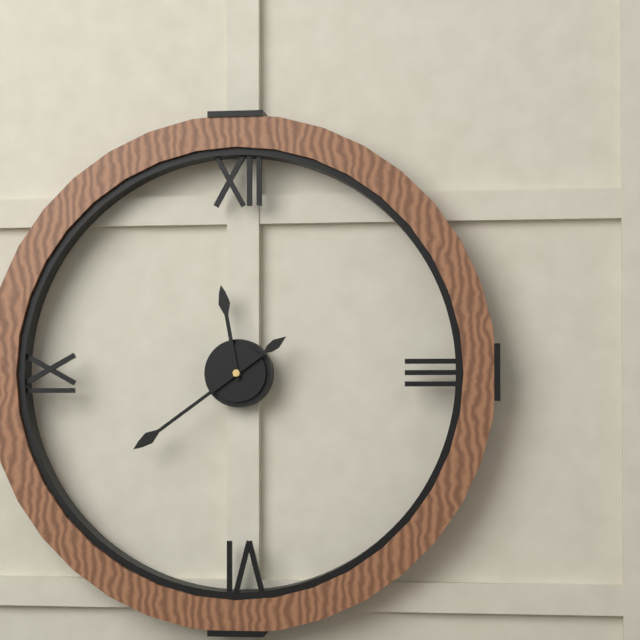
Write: 11:39
